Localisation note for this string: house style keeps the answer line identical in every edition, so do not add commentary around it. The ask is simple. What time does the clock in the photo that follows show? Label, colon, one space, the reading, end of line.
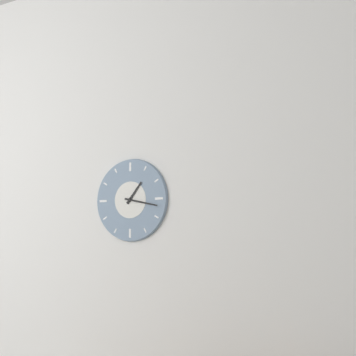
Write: 1:17
